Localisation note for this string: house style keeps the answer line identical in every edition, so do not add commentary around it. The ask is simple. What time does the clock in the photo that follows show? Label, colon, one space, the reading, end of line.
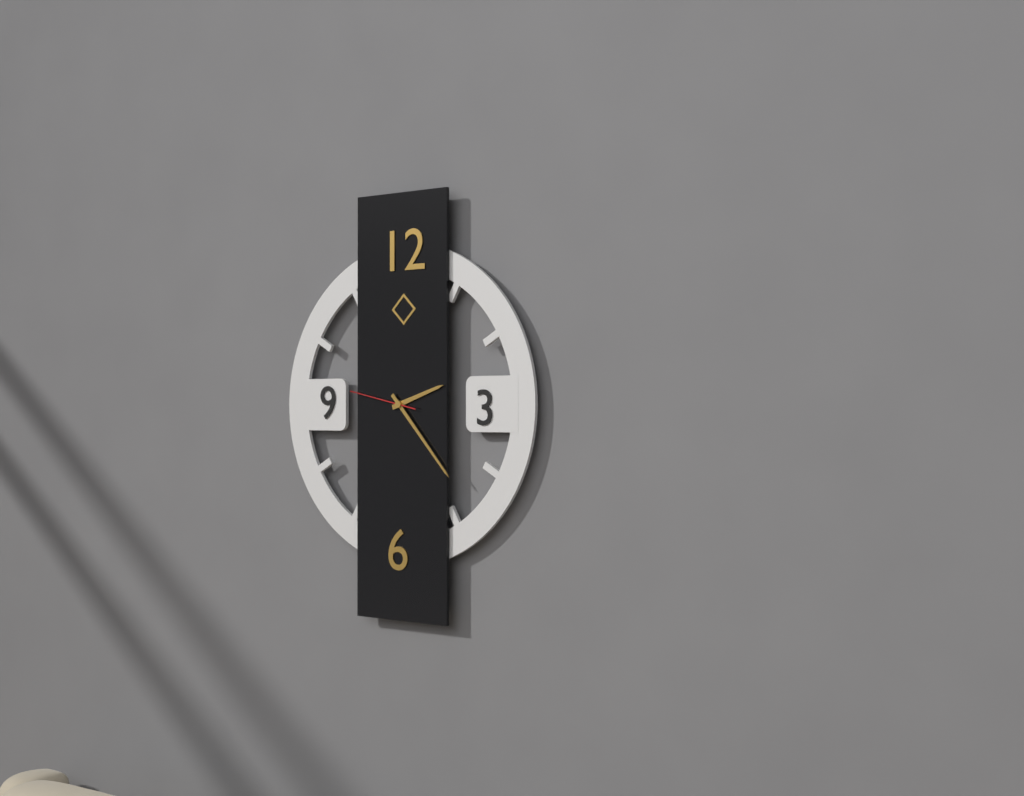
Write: 2:23:47
